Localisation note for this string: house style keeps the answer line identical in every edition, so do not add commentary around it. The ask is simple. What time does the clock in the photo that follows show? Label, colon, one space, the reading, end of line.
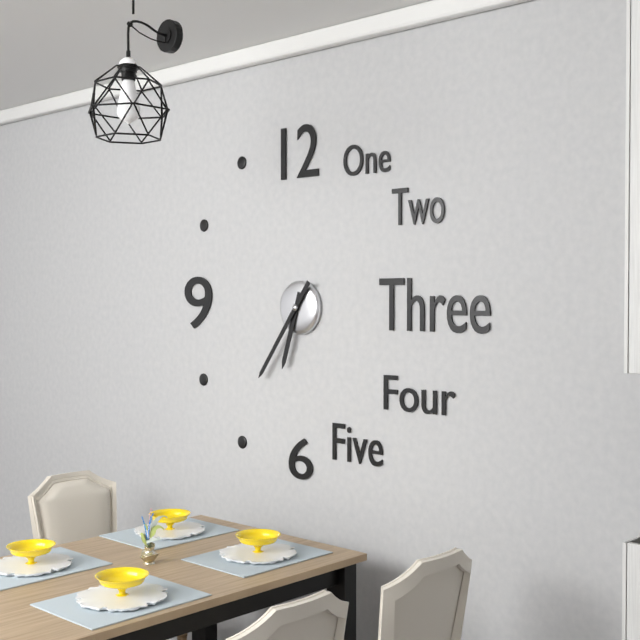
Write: 6:36
